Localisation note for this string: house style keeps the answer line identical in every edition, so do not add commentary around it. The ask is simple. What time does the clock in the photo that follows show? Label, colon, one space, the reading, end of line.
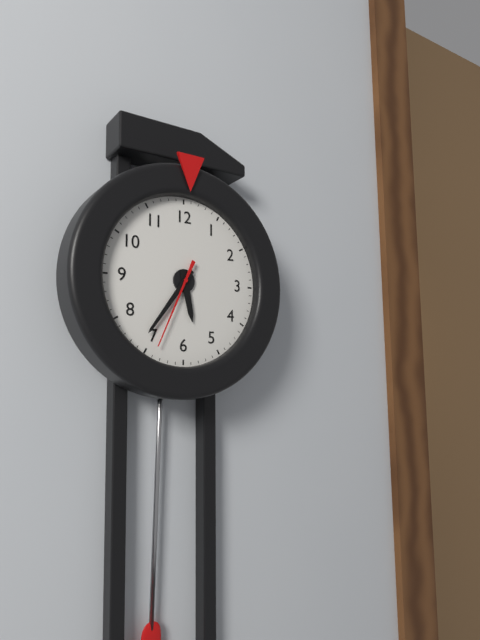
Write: 5:36:34
